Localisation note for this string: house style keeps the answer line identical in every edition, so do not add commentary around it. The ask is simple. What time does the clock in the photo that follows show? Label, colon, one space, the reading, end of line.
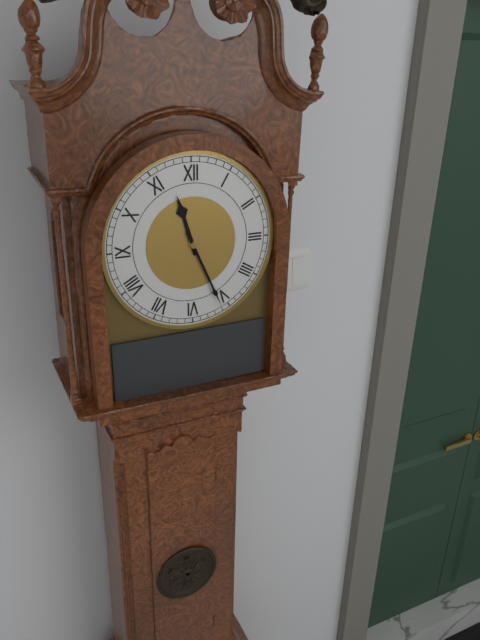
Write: 11:26
